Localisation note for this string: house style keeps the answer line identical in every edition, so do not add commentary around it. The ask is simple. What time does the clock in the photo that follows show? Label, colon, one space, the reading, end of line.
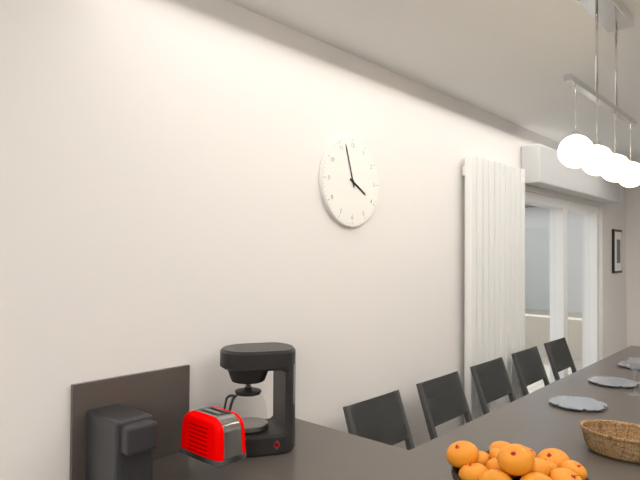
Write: 3:57
